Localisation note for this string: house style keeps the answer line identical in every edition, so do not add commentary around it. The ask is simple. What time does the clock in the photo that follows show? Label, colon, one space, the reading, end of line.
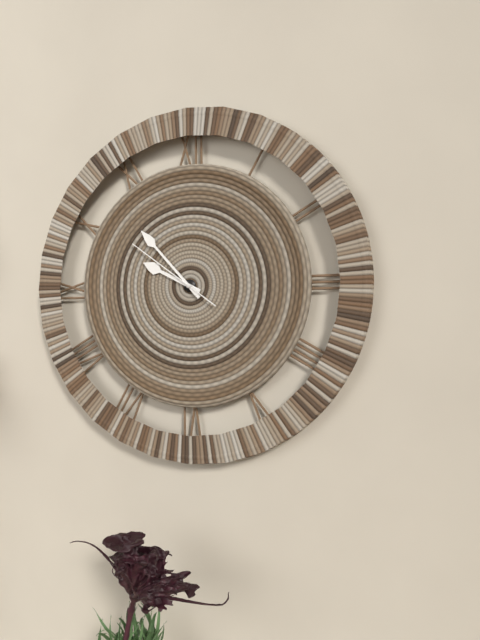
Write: 9:53:51
